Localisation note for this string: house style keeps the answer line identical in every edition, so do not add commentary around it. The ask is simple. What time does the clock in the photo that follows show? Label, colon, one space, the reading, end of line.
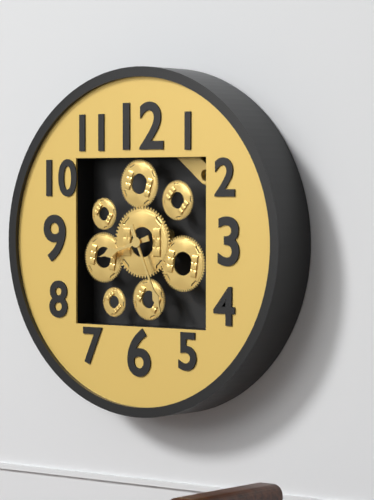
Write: 8:26
